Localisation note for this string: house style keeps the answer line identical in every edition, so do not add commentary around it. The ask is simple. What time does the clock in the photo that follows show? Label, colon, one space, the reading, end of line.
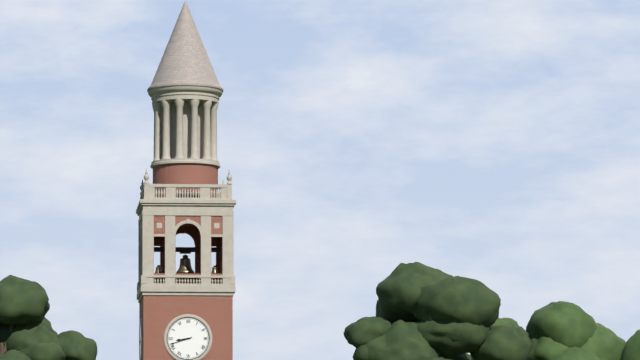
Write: 8:42
